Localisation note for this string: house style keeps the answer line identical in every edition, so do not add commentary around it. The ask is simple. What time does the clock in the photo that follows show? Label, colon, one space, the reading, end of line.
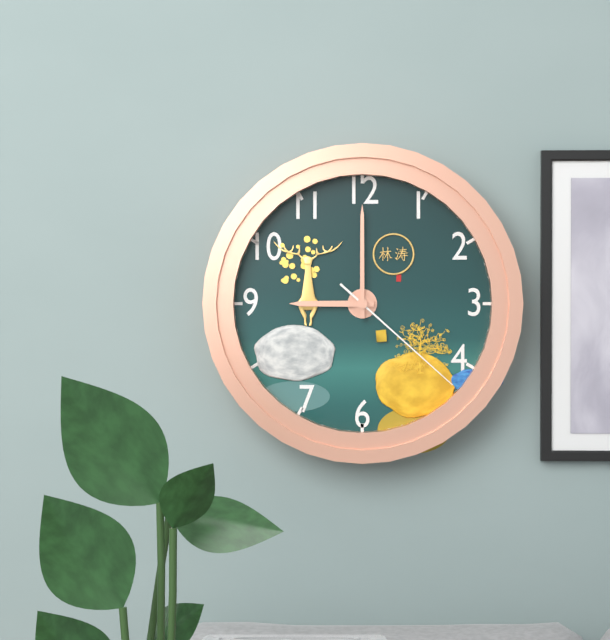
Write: 9:00:22
